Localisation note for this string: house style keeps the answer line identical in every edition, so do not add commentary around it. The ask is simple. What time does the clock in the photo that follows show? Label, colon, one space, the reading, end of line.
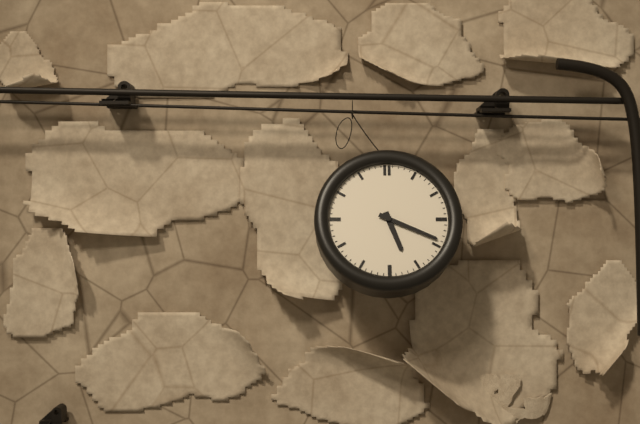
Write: 5:19
